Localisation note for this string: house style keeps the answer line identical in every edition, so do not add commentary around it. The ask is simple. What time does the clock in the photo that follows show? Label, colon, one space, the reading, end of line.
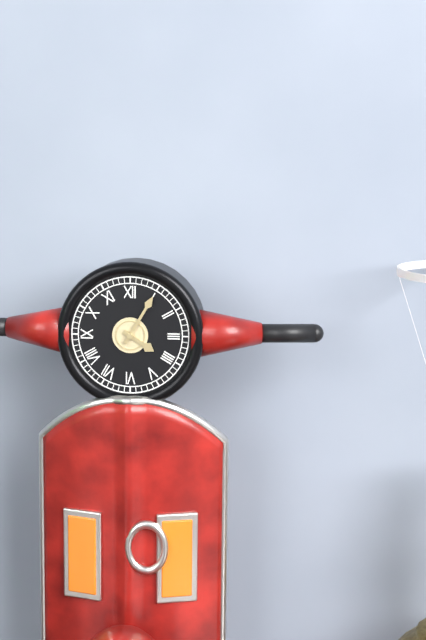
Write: 4:05
